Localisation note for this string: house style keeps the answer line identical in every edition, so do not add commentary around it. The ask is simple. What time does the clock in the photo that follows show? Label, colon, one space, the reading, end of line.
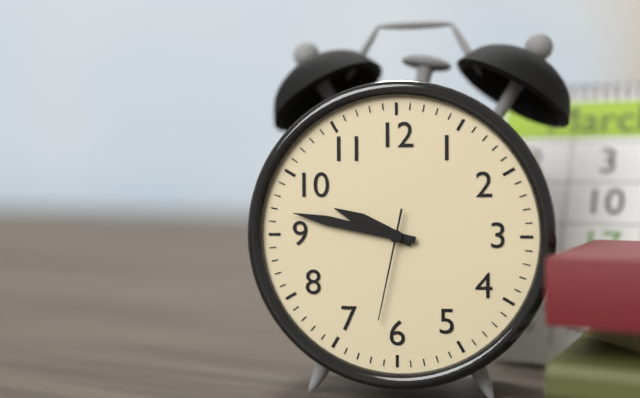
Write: 9:47:32
